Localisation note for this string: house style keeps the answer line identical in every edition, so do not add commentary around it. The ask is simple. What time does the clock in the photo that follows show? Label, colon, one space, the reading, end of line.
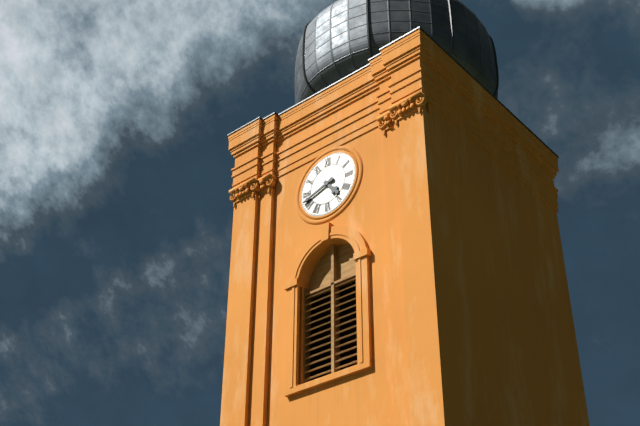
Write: 4:42
